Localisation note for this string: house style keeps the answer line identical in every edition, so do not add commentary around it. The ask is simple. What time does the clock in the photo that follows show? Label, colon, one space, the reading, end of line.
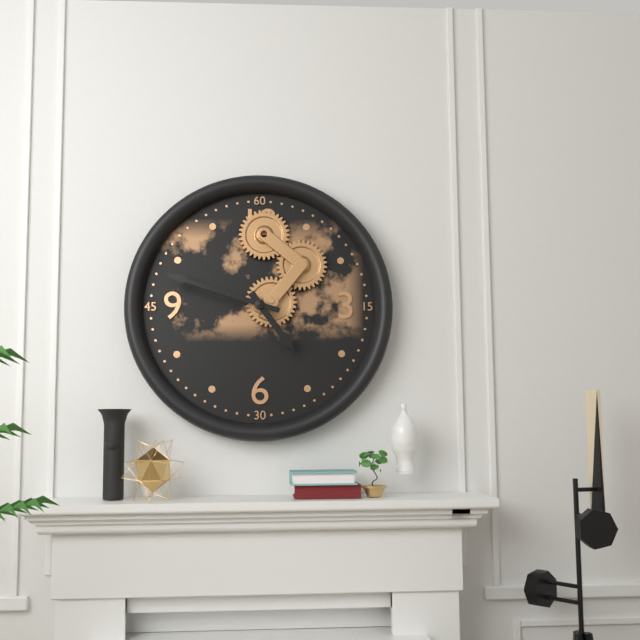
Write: 4:48
